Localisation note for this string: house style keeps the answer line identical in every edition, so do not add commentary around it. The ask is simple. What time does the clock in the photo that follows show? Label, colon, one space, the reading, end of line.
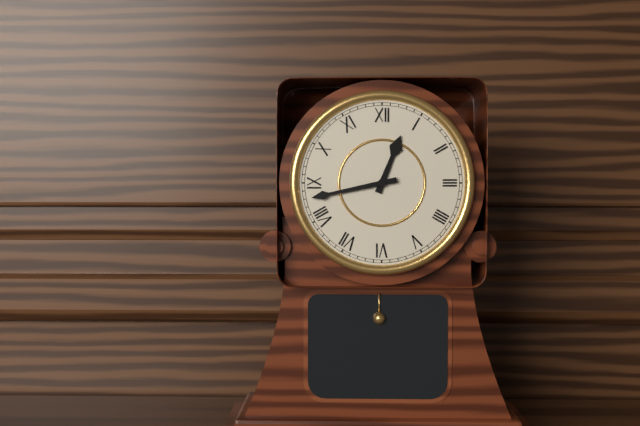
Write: 12:43
